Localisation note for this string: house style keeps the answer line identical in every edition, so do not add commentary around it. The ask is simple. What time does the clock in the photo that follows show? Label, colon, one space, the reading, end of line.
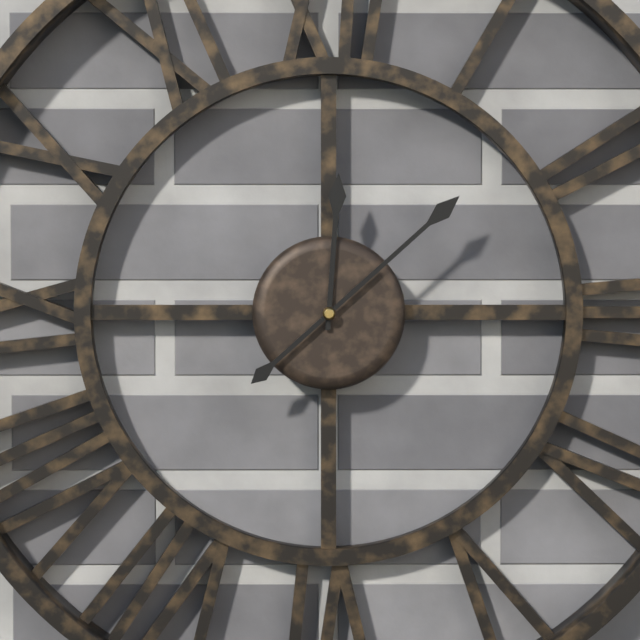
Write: 12:08
